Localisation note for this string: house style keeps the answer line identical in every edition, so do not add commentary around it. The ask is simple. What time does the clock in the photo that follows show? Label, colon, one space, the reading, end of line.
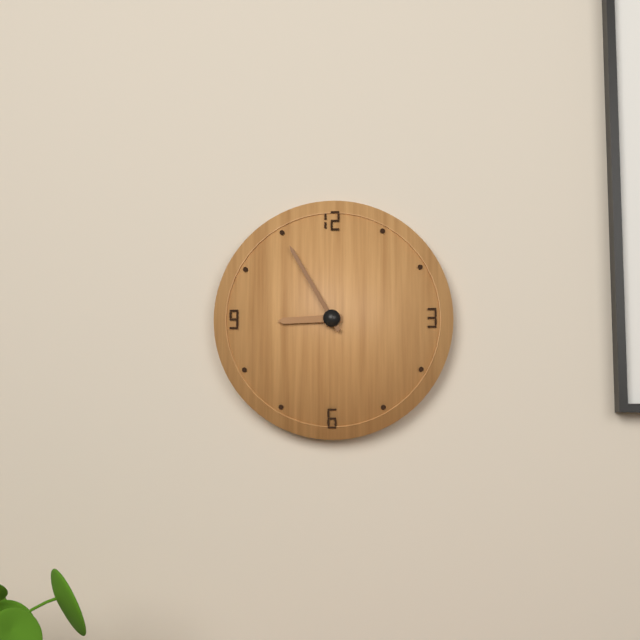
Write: 8:55
